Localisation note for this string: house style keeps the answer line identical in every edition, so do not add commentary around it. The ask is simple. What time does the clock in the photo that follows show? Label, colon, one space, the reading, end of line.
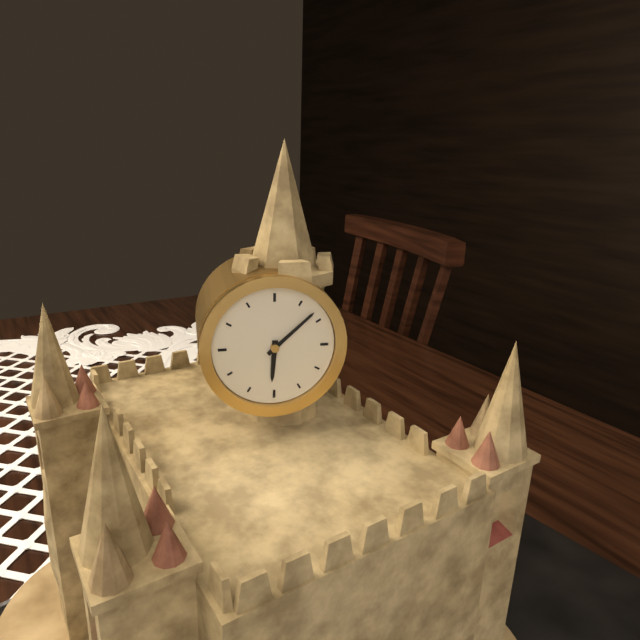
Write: 6:08
